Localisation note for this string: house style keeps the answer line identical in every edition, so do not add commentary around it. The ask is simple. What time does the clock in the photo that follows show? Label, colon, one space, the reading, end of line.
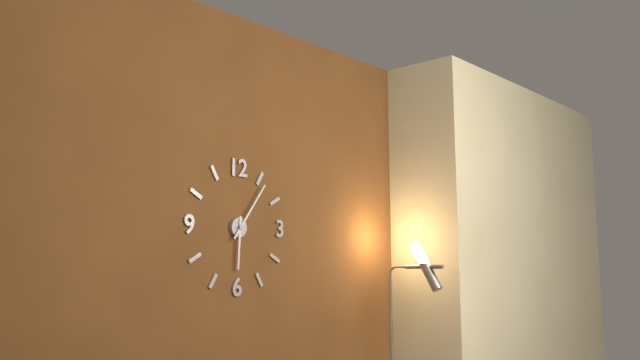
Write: 6:06
